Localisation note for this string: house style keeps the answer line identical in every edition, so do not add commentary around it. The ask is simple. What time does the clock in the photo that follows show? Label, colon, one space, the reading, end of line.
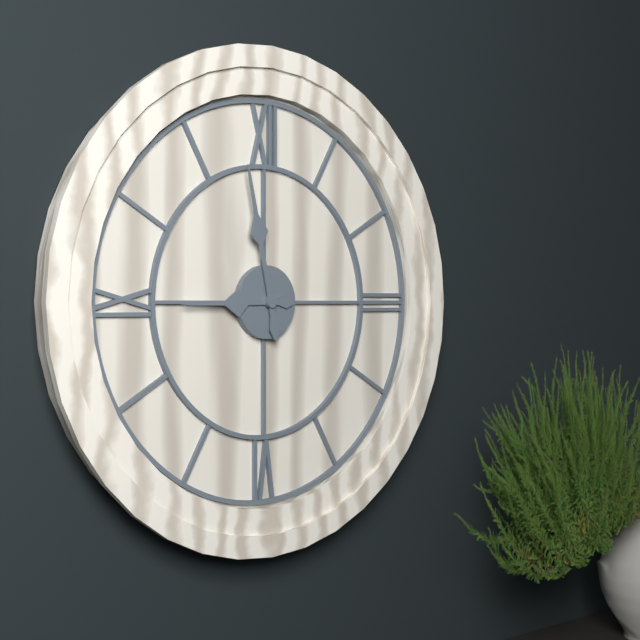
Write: 8:58
